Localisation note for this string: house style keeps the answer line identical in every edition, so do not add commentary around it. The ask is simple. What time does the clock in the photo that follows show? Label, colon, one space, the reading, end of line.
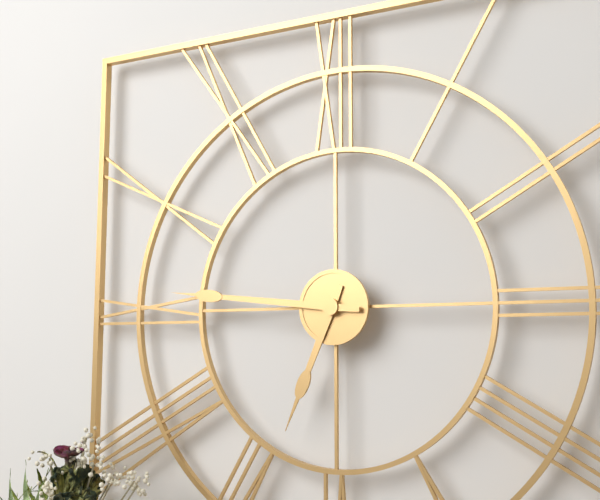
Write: 6:46
